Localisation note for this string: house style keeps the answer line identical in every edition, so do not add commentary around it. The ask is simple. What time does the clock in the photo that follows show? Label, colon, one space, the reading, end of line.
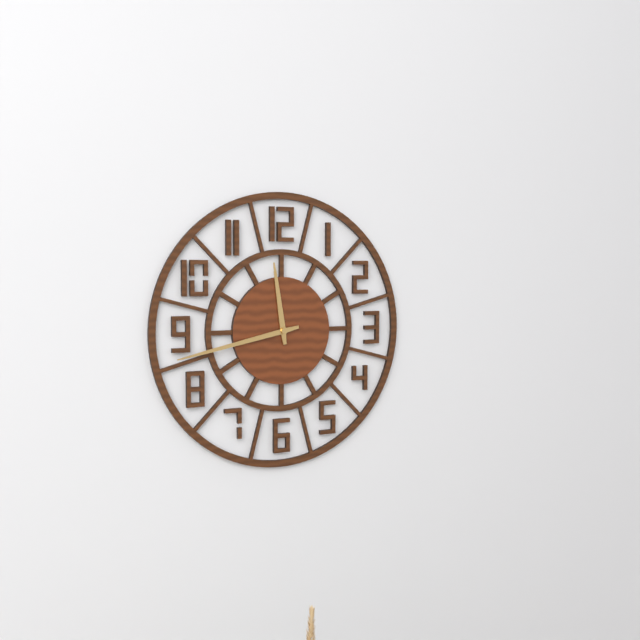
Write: 11:43
